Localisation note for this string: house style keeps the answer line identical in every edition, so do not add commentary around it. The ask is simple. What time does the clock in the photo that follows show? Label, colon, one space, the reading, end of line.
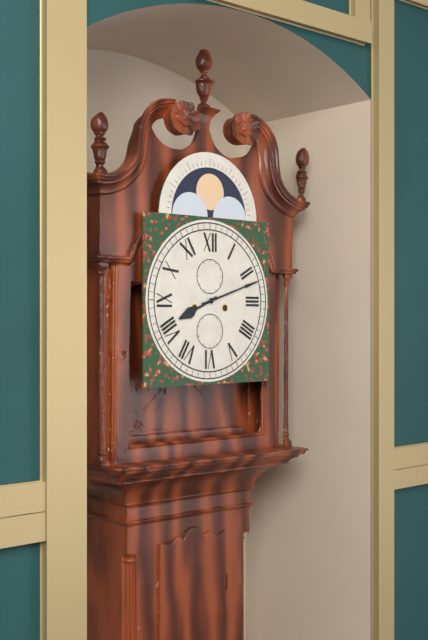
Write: 8:12
